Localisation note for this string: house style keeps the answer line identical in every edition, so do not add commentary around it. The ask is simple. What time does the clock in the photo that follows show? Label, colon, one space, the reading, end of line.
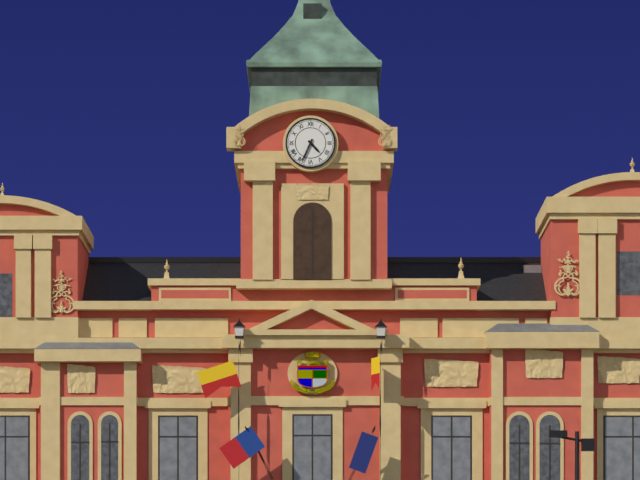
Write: 4:34
